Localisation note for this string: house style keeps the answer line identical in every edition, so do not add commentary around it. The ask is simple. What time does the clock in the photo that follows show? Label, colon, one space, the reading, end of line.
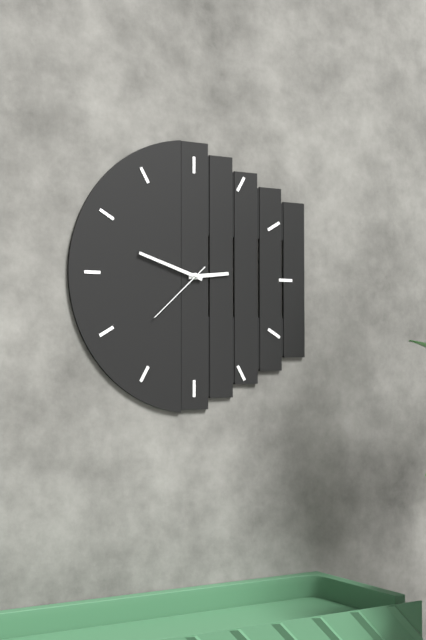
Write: 2:48:38
